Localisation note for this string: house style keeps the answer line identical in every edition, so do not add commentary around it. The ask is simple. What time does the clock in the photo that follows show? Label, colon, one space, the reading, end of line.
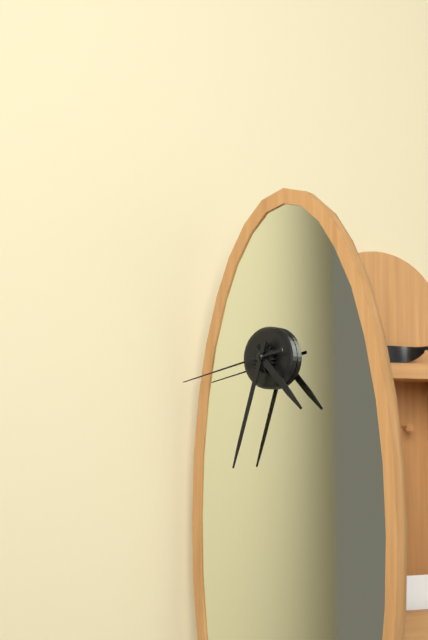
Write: 4:33:43
